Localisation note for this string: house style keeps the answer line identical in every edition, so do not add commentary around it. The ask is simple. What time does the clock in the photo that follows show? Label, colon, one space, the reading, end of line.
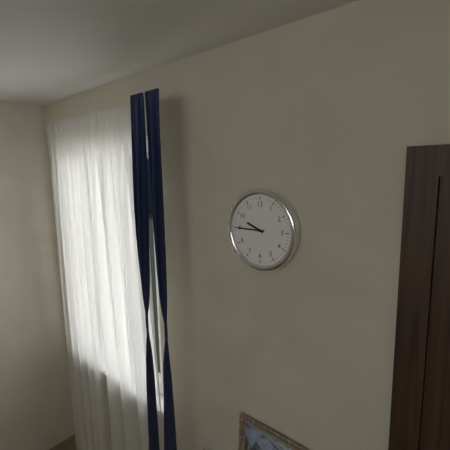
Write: 9:45
